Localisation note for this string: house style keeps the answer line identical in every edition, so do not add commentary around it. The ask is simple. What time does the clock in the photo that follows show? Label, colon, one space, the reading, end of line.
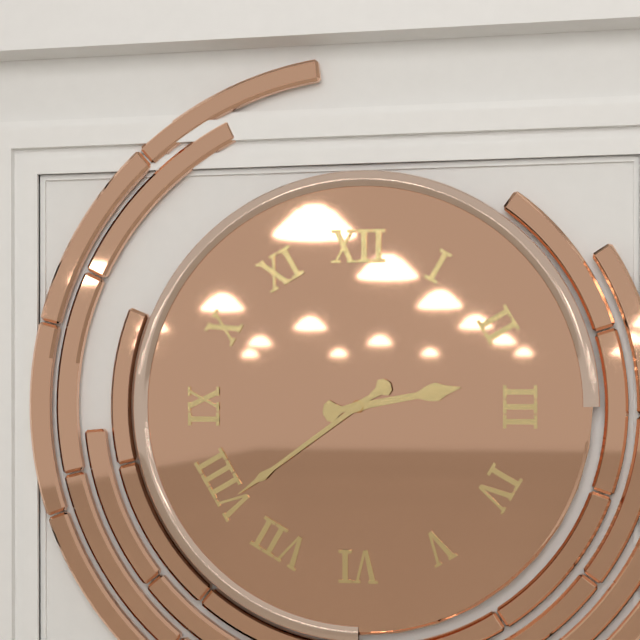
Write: 2:39
